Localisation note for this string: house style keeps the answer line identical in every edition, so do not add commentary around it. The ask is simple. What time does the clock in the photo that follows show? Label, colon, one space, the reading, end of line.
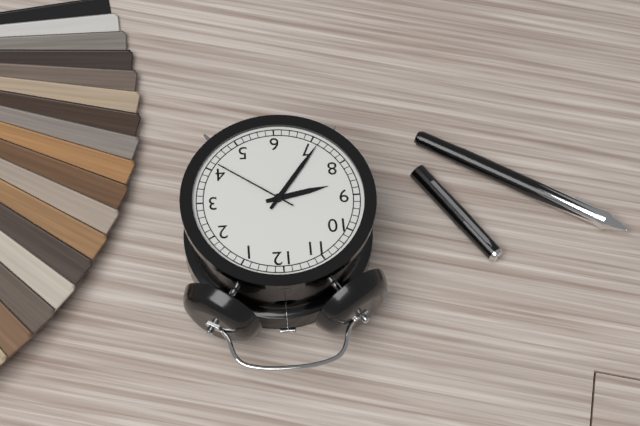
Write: 8:36:21
